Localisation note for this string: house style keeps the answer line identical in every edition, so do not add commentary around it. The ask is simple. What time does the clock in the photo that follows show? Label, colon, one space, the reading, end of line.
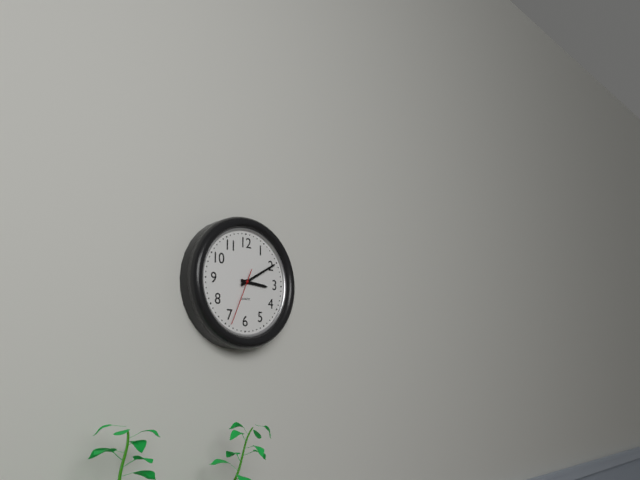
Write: 3:10:34
